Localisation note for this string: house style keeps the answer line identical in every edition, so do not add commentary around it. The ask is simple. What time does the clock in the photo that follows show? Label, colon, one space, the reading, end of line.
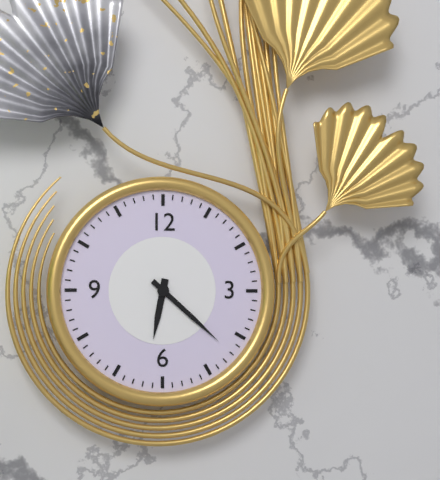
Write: 6:22
